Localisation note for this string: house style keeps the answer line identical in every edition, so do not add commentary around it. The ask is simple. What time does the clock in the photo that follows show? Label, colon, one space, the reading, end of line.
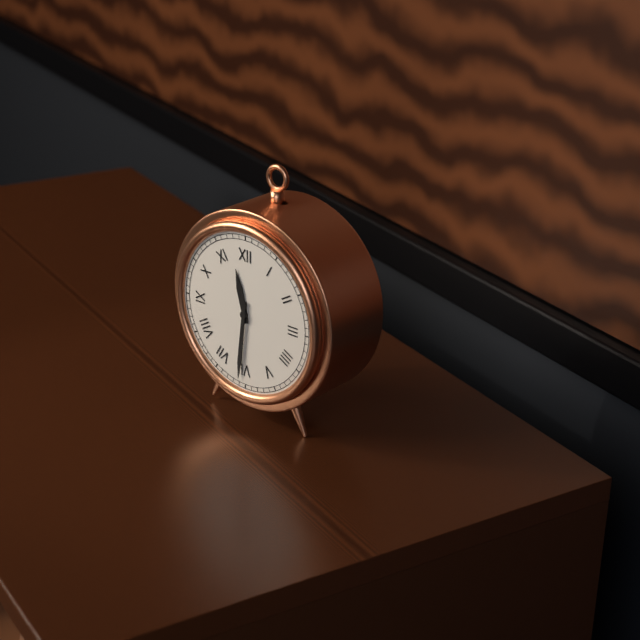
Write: 11:31
